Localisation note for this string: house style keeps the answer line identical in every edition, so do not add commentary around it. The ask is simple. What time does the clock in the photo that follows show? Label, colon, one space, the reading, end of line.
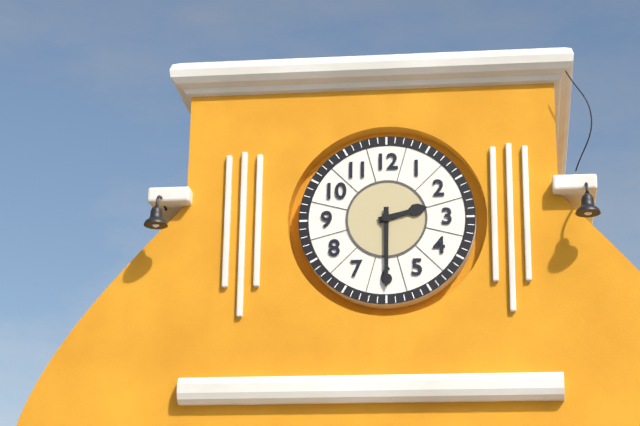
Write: 2:30
